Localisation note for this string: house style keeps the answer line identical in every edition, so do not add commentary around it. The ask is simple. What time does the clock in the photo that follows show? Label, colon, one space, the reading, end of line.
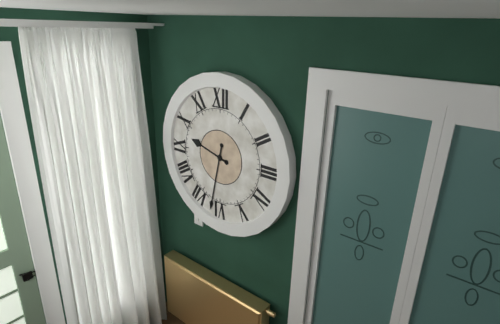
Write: 9:32
